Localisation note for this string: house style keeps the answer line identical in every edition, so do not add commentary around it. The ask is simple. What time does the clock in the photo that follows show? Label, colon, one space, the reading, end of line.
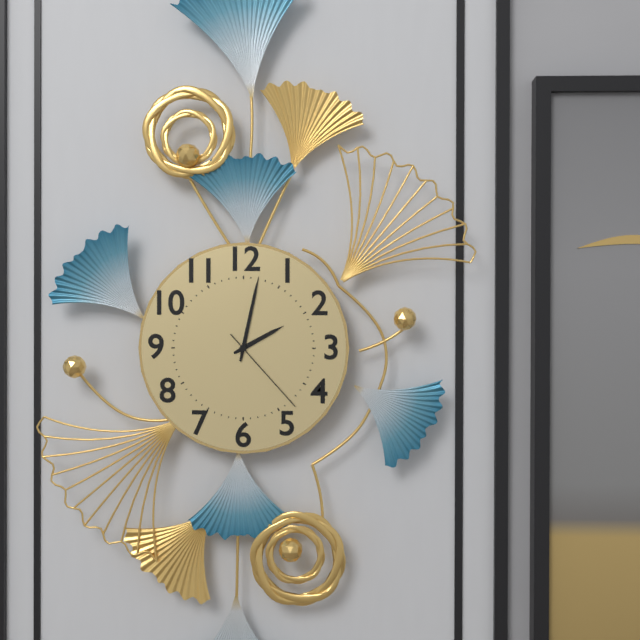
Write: 2:02:23
